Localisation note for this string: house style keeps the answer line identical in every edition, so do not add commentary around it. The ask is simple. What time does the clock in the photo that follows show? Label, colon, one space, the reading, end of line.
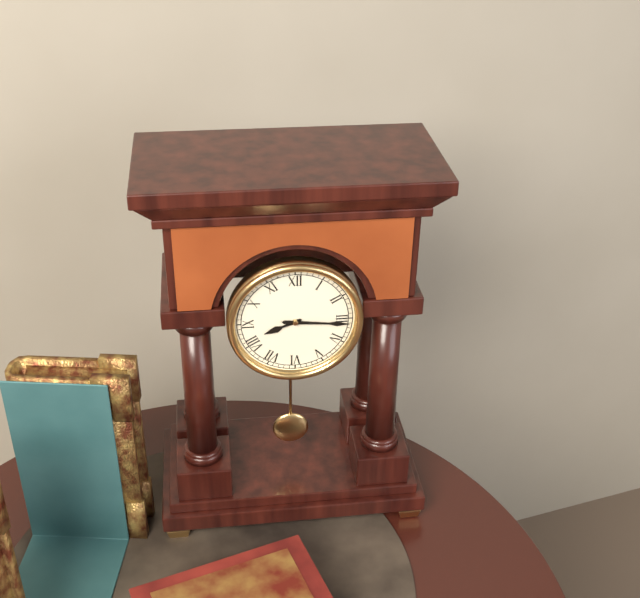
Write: 8:16
